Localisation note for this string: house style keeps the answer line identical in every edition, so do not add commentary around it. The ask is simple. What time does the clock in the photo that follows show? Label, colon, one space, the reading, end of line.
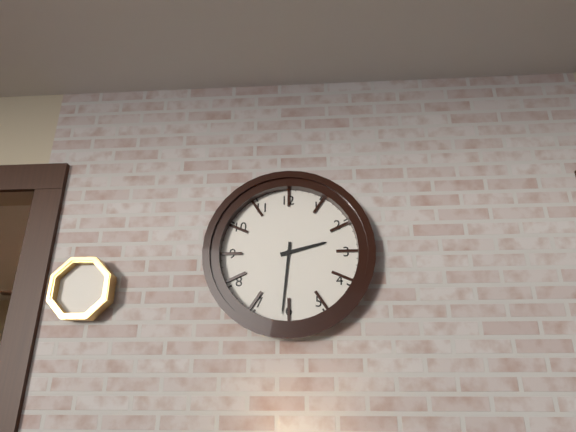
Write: 2:31
